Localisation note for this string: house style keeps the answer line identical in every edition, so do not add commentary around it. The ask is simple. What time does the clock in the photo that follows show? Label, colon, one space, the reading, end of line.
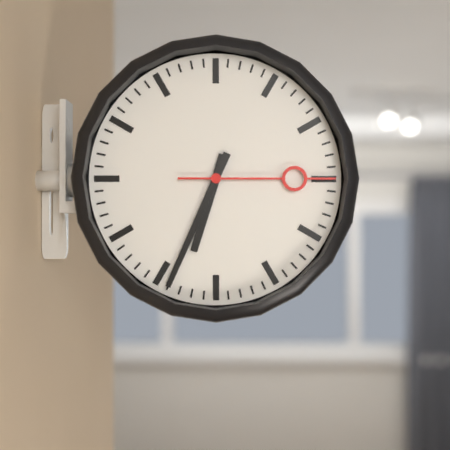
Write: 6:34:15
